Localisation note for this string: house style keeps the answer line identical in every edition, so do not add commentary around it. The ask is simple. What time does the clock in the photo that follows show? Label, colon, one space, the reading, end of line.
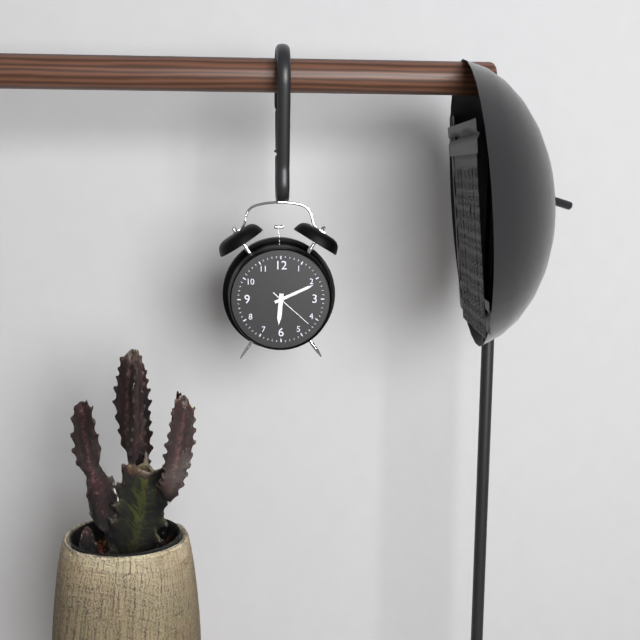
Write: 6:11
